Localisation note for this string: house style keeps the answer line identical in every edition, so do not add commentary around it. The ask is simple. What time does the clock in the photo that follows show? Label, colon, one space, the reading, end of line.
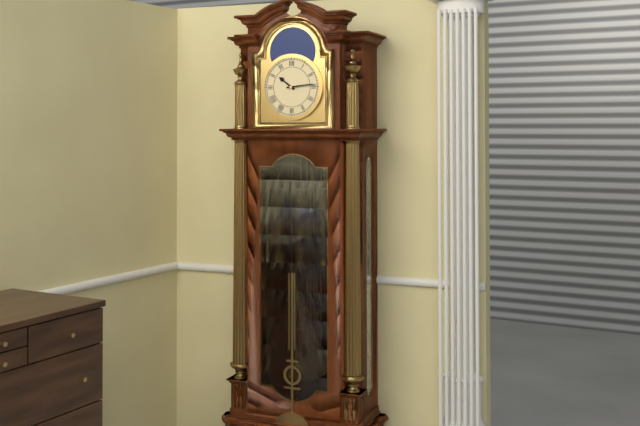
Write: 10:14
